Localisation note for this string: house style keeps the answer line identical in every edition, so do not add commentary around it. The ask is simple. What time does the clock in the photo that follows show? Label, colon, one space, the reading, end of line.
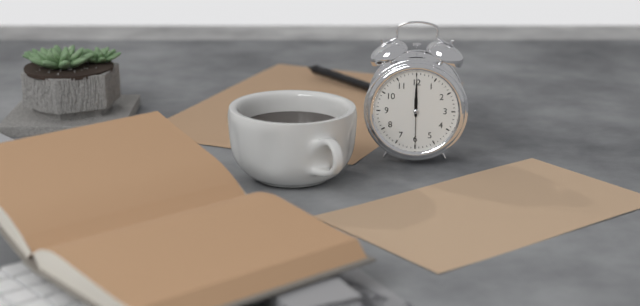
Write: 12:00
